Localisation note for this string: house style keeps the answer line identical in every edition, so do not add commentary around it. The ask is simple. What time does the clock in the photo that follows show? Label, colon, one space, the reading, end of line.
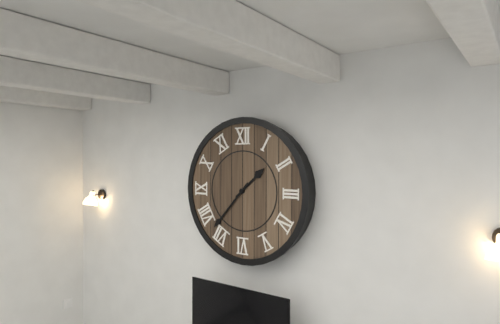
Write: 1:37
